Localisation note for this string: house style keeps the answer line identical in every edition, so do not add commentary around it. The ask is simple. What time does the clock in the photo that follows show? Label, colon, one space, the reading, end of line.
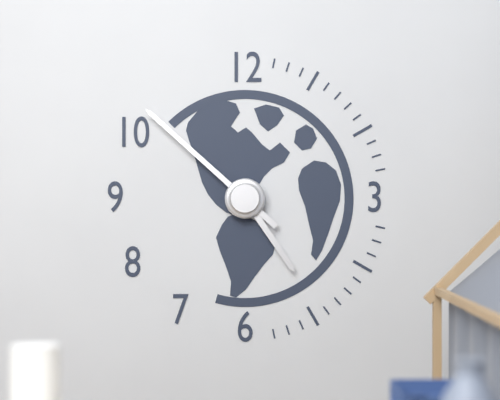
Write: 4:52
